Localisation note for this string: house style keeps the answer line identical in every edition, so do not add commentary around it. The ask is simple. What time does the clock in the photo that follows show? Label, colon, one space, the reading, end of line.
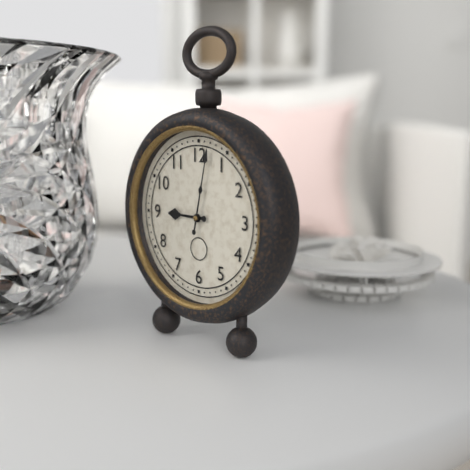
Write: 9:02
